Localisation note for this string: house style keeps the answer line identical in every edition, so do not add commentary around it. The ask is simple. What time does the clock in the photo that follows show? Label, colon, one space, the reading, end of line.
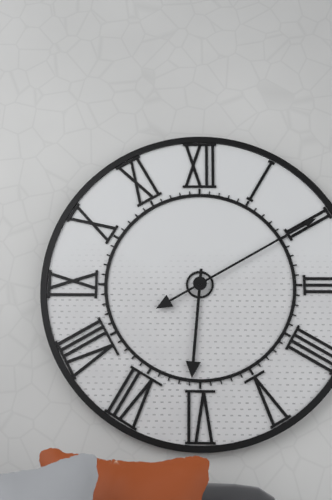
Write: 6:10
